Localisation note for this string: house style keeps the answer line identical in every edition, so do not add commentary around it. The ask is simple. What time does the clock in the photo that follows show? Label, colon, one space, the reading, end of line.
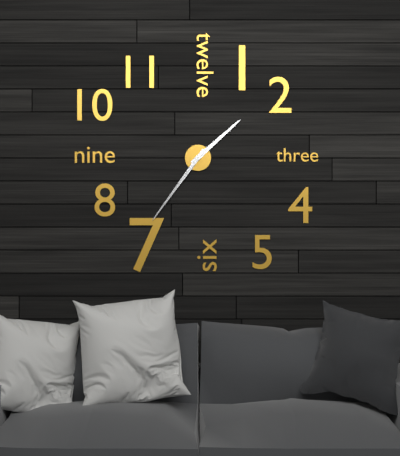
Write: 1:36
